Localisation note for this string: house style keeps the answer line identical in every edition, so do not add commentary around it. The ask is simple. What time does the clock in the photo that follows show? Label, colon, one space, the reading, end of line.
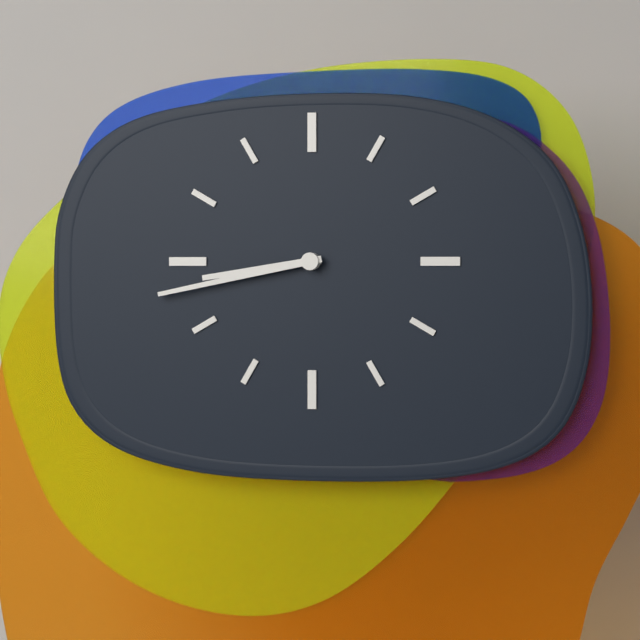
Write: 8:43
